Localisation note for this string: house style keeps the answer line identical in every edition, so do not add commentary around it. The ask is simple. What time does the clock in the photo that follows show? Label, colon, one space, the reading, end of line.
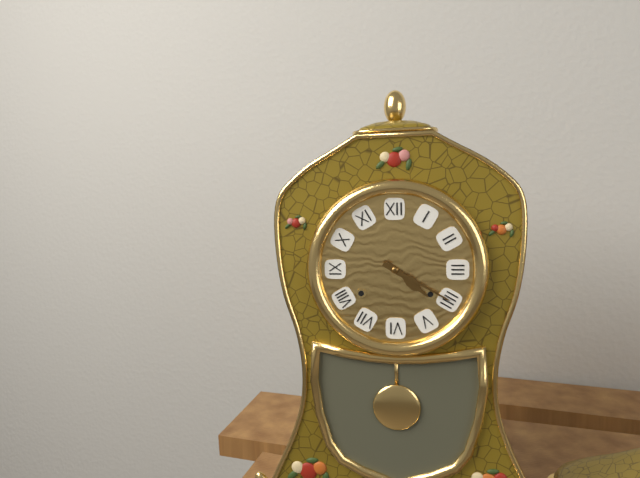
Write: 4:20
